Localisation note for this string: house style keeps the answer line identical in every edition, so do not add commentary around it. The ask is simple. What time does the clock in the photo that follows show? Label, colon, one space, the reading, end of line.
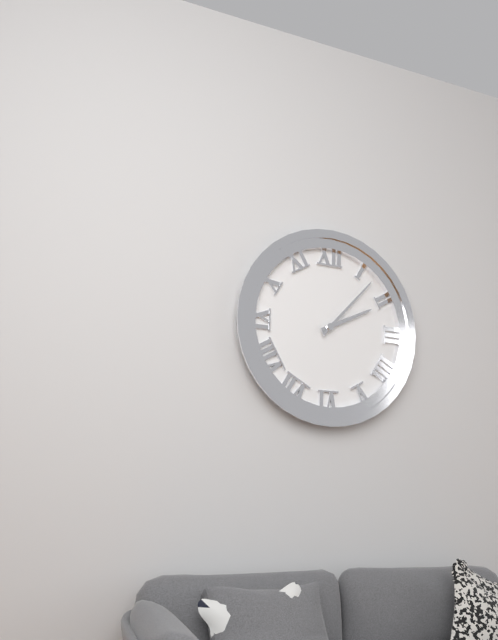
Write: 2:07
